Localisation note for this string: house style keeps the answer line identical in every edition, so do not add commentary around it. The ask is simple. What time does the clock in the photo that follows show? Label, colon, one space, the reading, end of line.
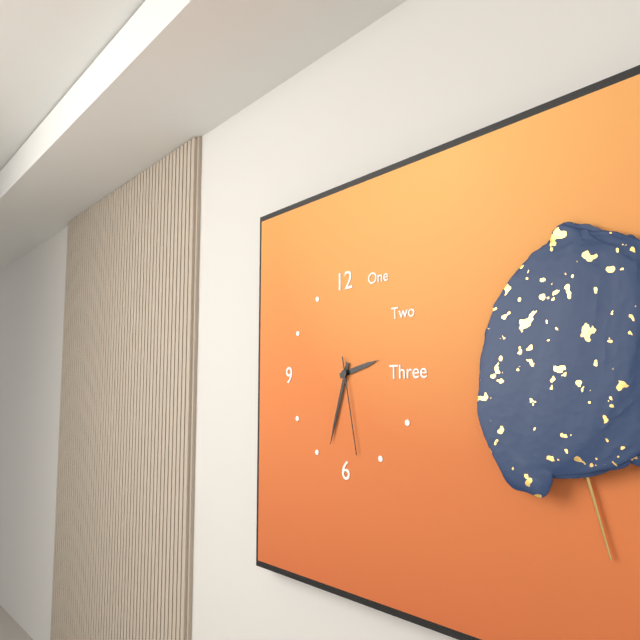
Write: 2:33:28
